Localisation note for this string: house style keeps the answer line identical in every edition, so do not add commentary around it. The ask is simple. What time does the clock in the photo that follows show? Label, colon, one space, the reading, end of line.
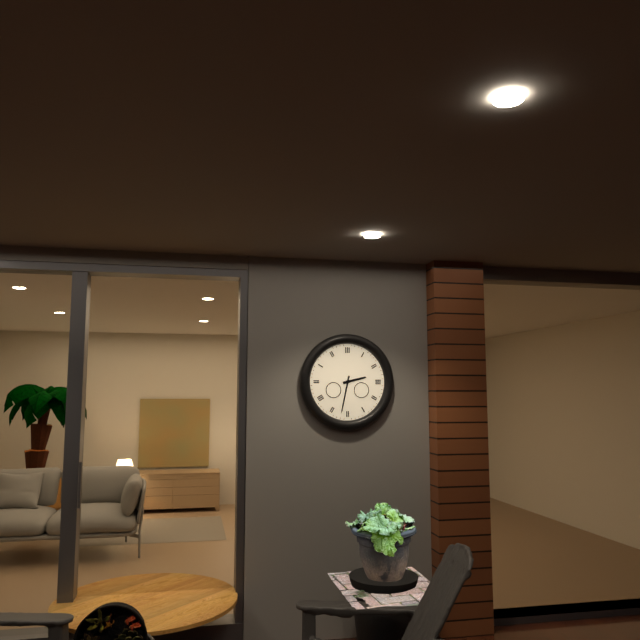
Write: 2:32
